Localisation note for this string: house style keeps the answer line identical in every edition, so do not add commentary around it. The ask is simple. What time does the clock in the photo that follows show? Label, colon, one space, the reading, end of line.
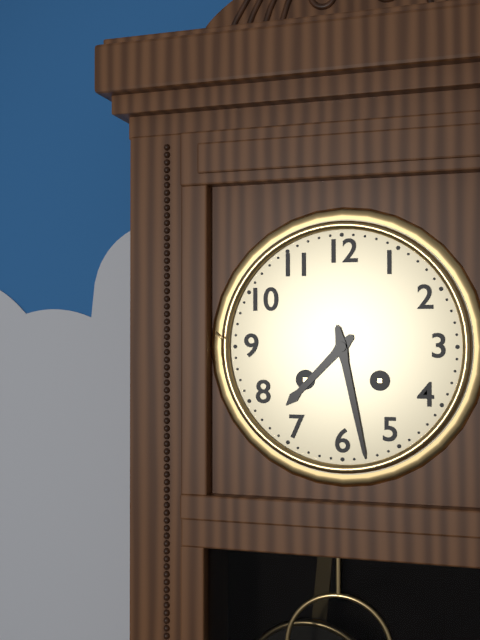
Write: 7:28
